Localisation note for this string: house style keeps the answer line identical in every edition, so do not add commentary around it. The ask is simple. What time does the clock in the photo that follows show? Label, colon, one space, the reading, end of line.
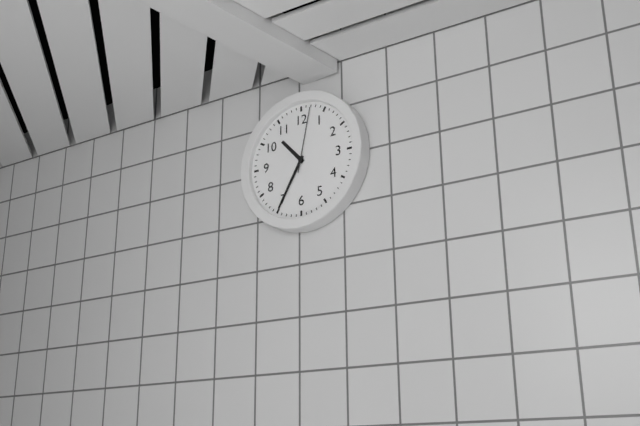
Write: 10:35:02
